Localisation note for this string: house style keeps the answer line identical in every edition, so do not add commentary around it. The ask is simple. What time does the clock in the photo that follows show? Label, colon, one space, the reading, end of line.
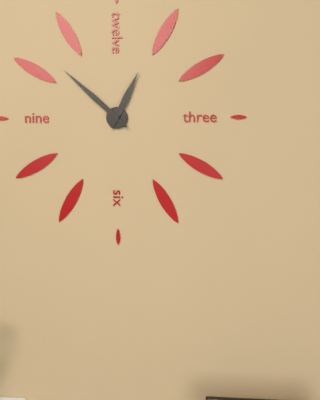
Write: 12:52
